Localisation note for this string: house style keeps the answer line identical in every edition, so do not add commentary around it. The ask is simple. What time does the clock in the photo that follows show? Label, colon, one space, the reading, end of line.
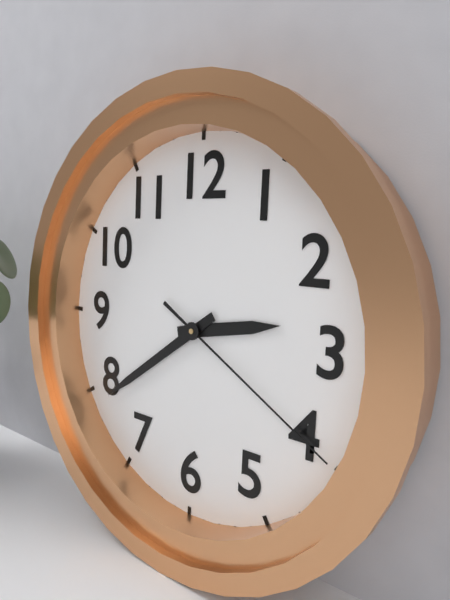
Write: 2:39:20
